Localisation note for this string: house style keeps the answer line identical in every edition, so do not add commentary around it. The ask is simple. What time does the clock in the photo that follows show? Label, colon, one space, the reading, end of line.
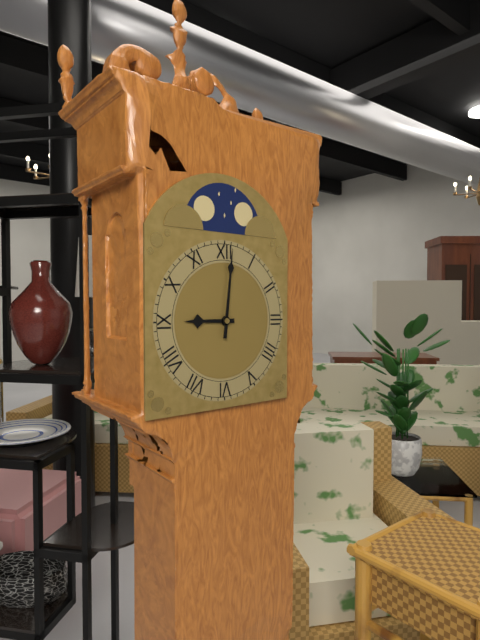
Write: 9:01
